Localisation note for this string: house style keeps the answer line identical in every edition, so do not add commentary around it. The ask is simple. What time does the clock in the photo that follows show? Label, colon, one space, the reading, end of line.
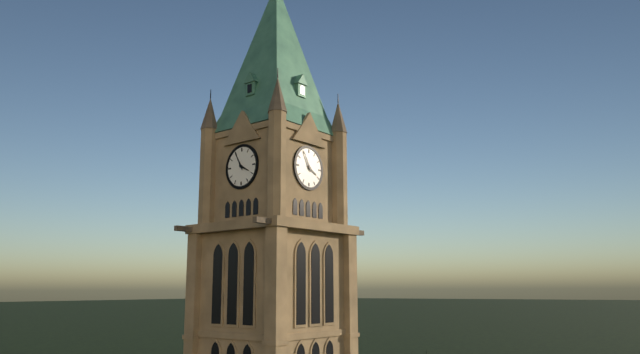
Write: 3:55
